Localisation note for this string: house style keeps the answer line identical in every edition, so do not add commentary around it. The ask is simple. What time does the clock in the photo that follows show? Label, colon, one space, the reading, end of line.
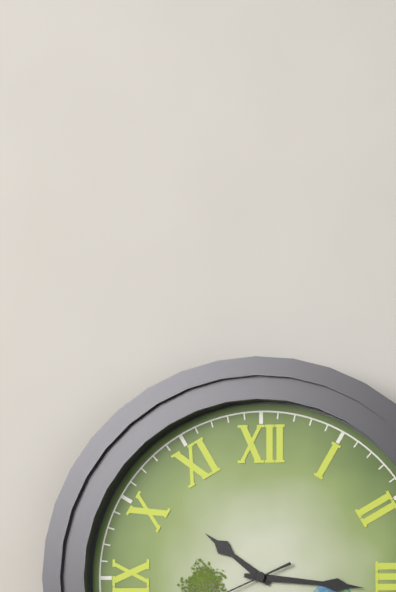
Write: 10:16
